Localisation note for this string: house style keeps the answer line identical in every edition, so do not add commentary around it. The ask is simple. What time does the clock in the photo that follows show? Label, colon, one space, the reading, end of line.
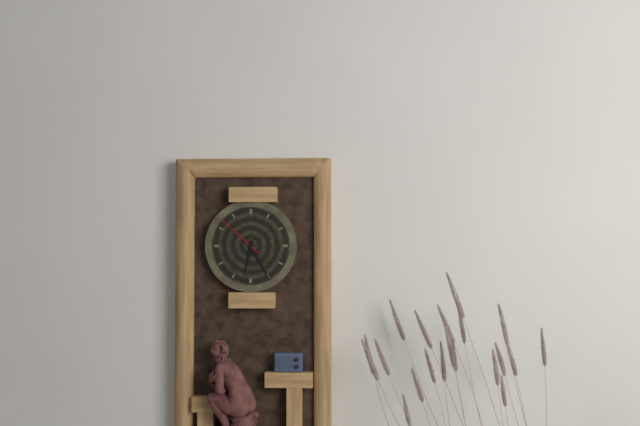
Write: 6:25
